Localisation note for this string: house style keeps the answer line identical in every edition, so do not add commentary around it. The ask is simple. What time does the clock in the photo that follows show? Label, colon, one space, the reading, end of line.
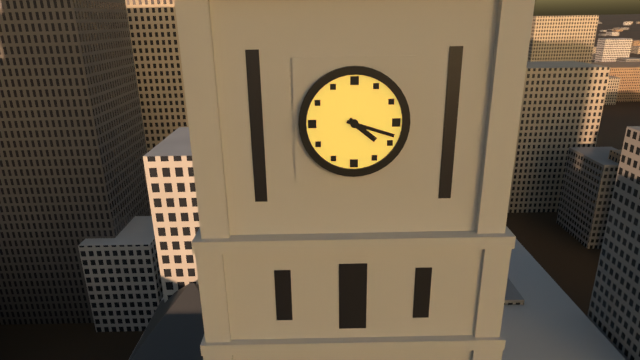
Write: 4:18
